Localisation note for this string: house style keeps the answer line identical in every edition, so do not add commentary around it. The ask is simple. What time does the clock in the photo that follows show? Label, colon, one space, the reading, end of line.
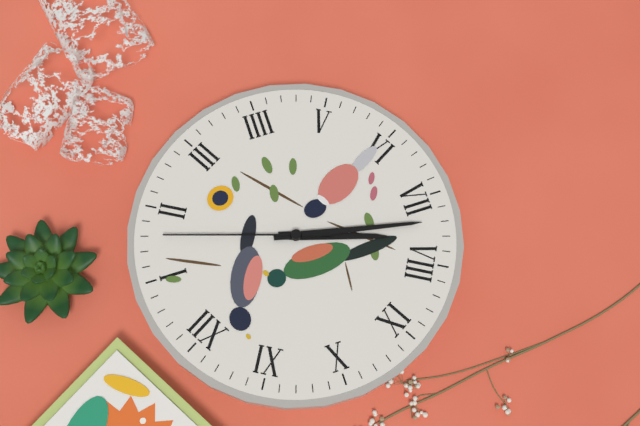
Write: 7:37:08
